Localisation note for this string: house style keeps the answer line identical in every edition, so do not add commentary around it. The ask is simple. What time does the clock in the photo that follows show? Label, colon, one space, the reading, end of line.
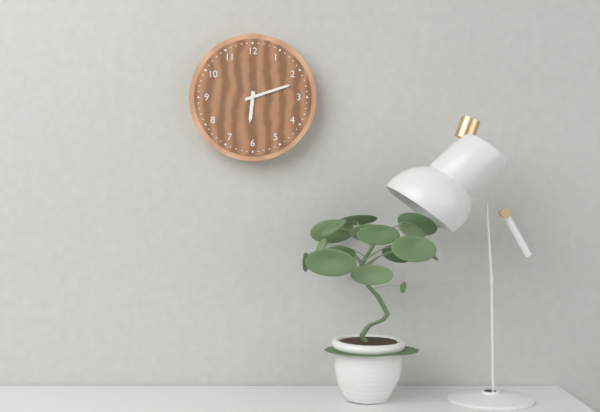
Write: 6:12
